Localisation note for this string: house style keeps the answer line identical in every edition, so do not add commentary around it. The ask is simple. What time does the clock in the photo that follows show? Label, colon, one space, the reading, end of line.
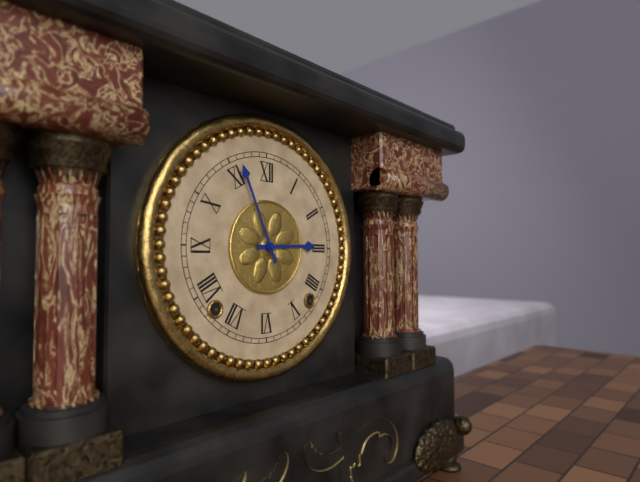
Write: 2:56
